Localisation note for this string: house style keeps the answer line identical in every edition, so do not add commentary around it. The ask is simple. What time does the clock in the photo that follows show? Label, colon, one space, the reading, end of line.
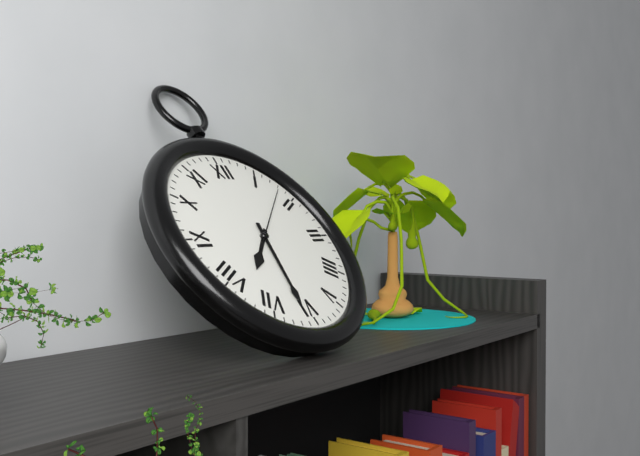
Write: 7:31:08
